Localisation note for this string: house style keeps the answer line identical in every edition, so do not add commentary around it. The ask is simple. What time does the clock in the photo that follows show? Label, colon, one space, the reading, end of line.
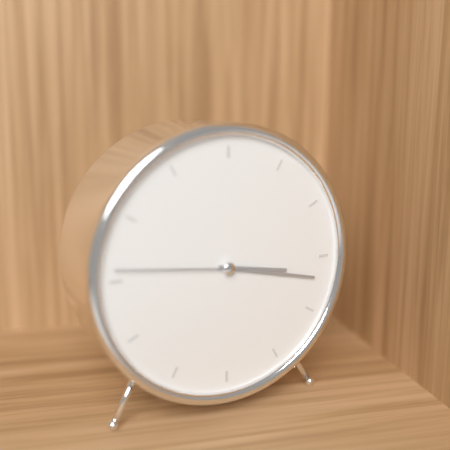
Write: 3:17:46
